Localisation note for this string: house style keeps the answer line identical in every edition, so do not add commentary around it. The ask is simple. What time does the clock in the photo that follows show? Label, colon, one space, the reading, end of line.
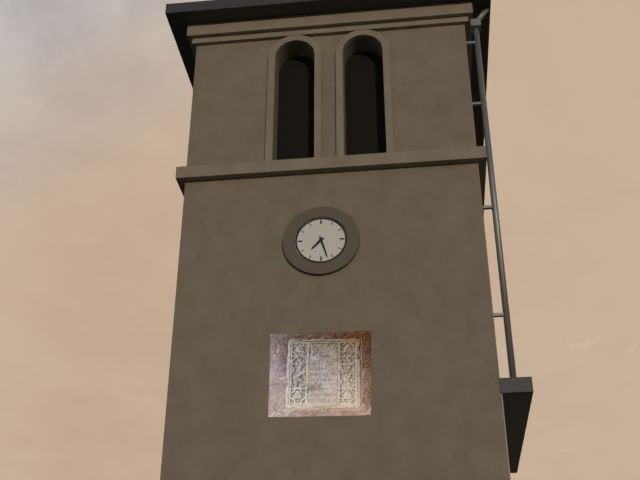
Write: 7:27
